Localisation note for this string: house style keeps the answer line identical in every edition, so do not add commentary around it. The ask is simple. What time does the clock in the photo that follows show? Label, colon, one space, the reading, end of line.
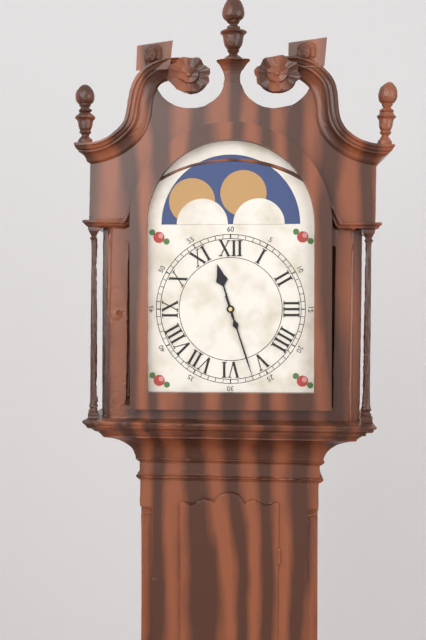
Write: 11:27
